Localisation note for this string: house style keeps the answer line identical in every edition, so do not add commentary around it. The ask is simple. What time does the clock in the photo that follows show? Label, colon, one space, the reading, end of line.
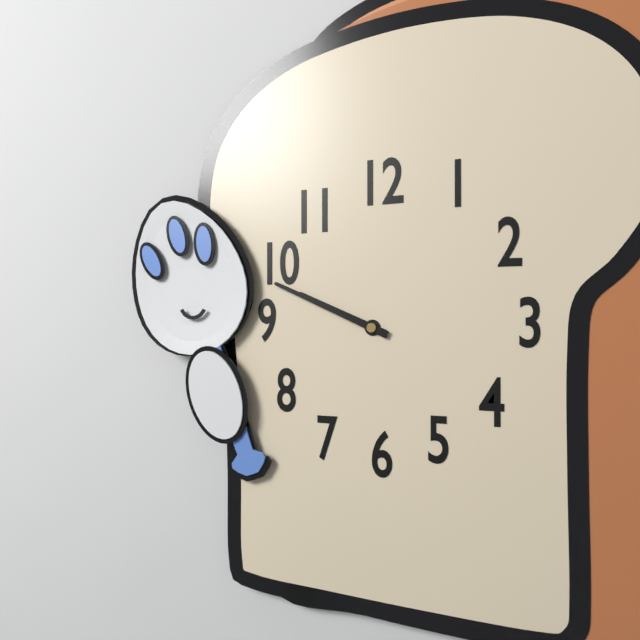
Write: 9:49
